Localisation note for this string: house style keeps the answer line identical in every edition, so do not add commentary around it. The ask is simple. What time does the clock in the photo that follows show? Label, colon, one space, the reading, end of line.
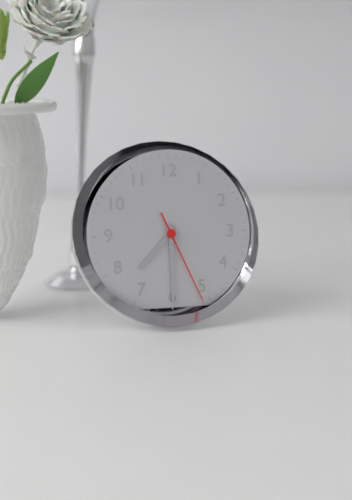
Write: 7:30:26
